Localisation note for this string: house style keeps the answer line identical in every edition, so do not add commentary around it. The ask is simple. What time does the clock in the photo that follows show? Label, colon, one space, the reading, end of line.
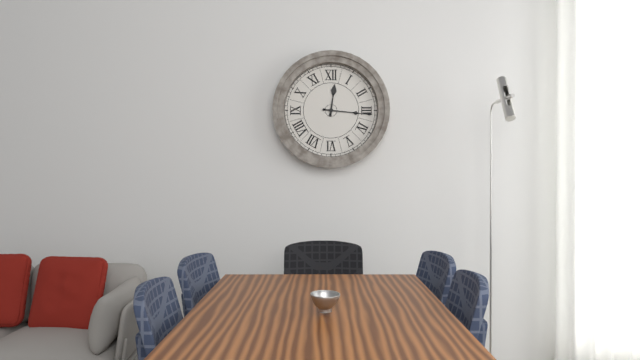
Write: 12:16
